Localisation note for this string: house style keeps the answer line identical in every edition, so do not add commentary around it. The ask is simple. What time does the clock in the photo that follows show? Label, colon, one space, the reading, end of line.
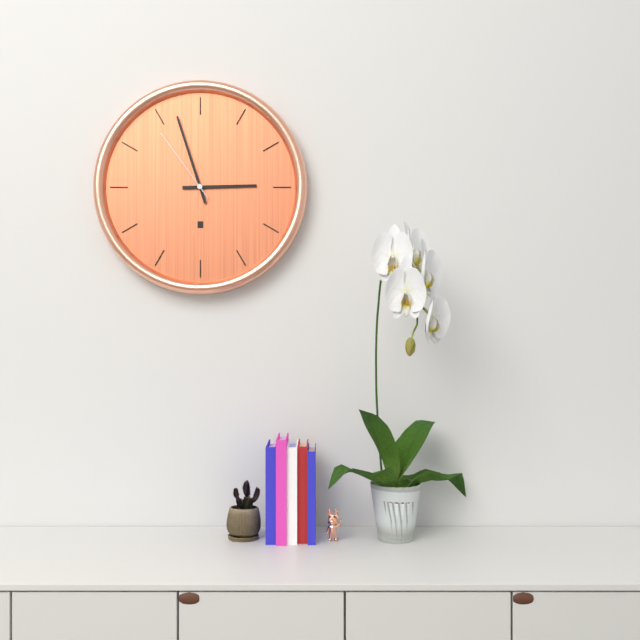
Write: 2:57:54
